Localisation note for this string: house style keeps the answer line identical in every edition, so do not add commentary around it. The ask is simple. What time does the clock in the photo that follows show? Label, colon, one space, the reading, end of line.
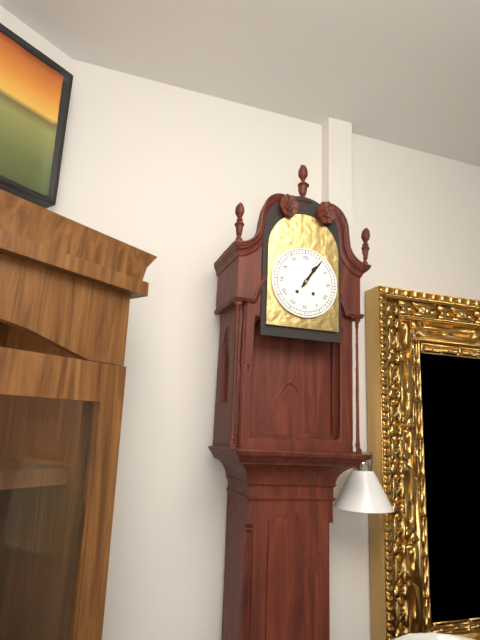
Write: 1:06
